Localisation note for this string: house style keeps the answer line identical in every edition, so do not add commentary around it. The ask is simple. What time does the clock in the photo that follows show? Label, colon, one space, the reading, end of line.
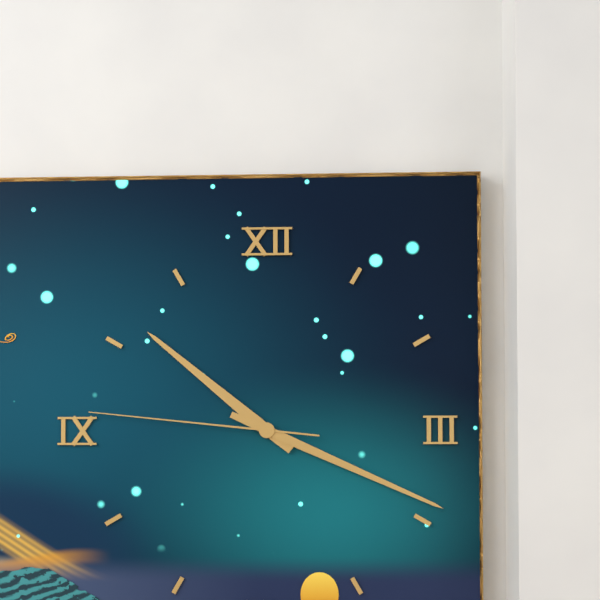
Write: 10:19:46
